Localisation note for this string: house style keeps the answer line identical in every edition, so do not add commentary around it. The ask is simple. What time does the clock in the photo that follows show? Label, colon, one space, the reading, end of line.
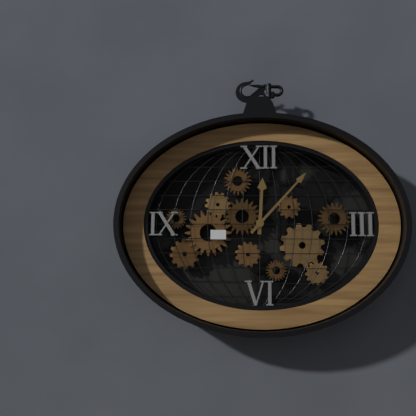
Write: 12:07
